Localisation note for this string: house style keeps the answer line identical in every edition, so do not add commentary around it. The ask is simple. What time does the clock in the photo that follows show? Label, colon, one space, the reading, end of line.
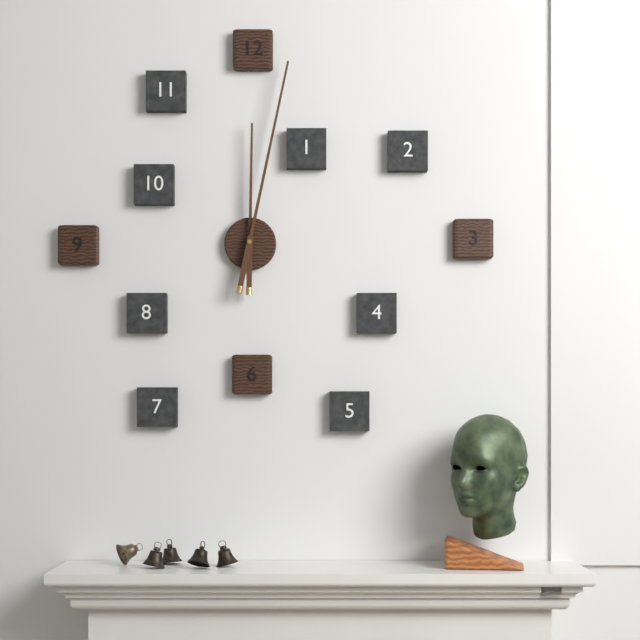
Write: 12:02
